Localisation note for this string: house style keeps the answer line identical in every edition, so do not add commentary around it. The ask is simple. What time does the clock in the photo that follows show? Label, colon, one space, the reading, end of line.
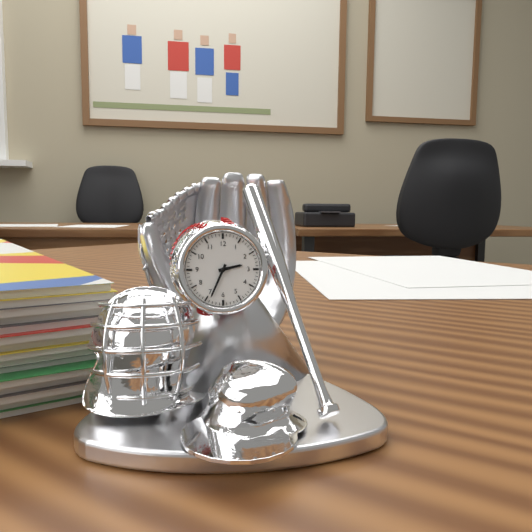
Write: 2:34
